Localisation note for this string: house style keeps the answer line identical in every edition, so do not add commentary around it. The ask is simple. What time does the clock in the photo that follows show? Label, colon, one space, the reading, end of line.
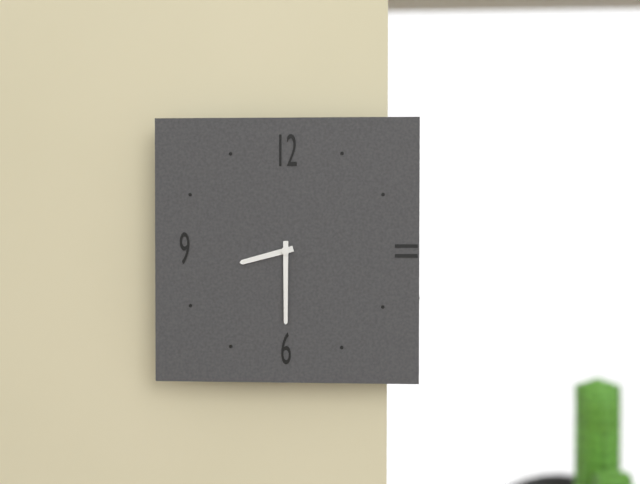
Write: 8:30
